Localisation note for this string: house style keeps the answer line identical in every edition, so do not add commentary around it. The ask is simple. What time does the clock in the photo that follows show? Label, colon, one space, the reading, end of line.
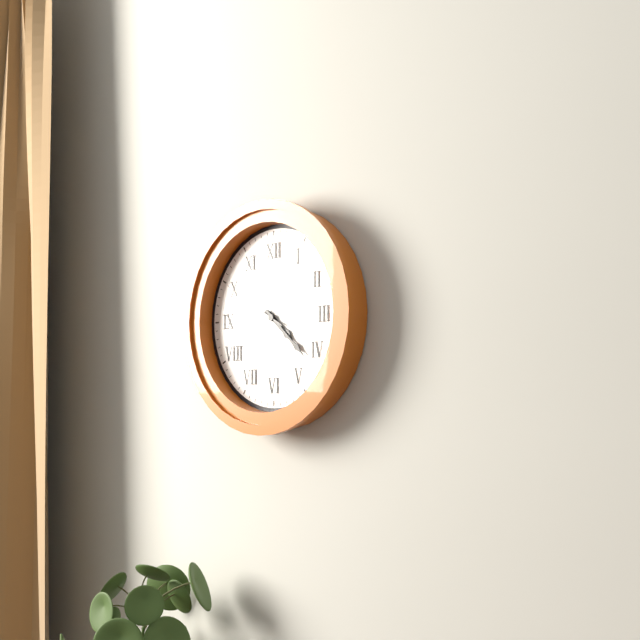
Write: 4:22:50
